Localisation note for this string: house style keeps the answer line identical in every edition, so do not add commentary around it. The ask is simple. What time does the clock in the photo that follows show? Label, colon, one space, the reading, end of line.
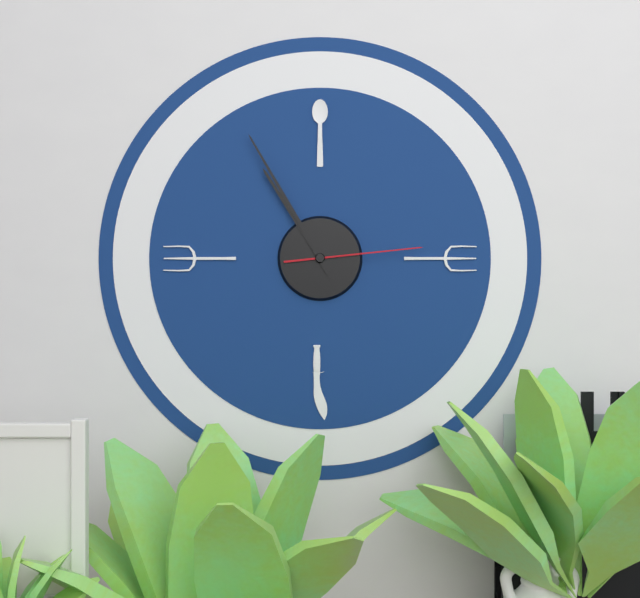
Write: 10:55:14
